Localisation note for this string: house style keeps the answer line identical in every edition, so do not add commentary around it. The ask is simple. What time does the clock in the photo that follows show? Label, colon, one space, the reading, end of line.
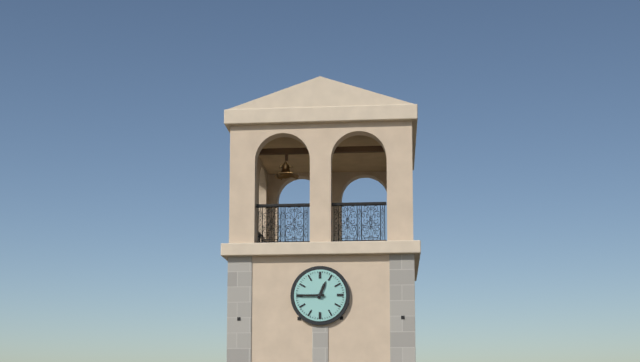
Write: 12:45
